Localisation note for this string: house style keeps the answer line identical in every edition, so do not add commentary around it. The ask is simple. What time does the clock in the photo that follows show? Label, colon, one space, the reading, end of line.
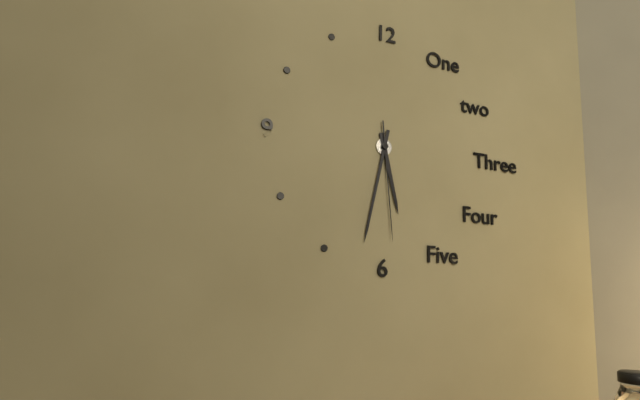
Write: 5:32:29
